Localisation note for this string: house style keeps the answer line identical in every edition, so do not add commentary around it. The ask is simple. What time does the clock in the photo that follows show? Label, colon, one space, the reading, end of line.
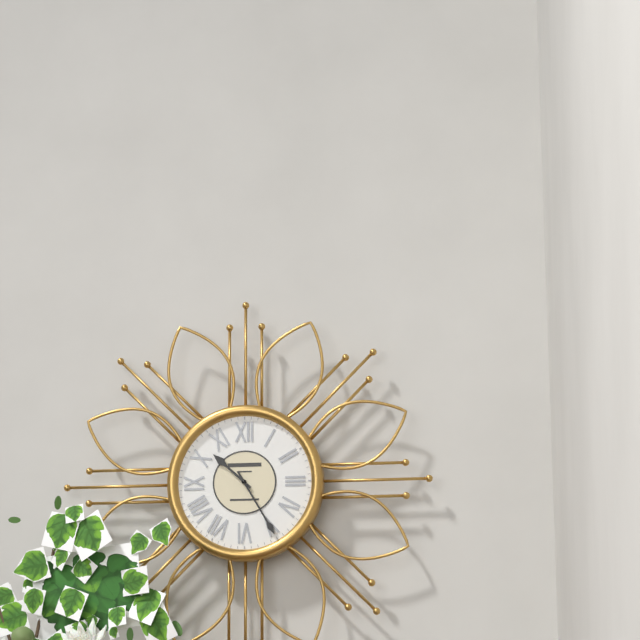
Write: 10:25
